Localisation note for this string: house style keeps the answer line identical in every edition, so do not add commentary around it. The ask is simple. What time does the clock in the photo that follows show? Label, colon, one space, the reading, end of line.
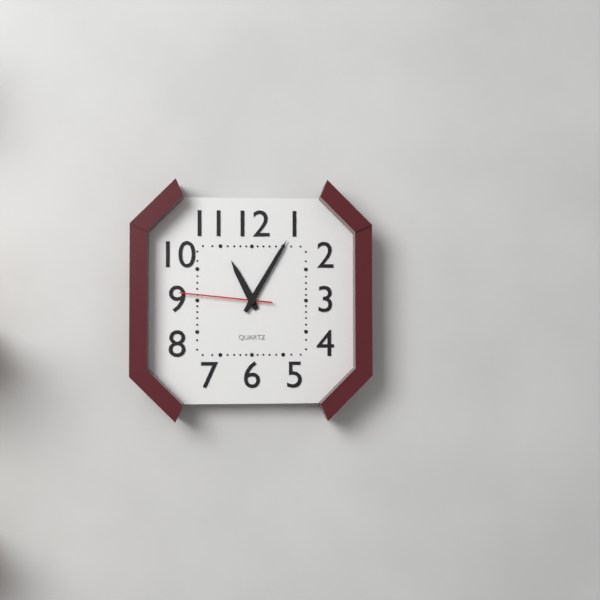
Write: 11:05:46
